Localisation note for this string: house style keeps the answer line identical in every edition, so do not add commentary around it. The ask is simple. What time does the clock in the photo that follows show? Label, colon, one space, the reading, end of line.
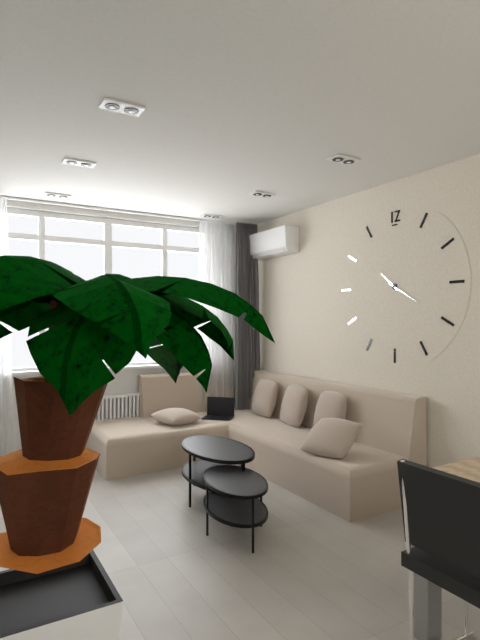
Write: 10:20
